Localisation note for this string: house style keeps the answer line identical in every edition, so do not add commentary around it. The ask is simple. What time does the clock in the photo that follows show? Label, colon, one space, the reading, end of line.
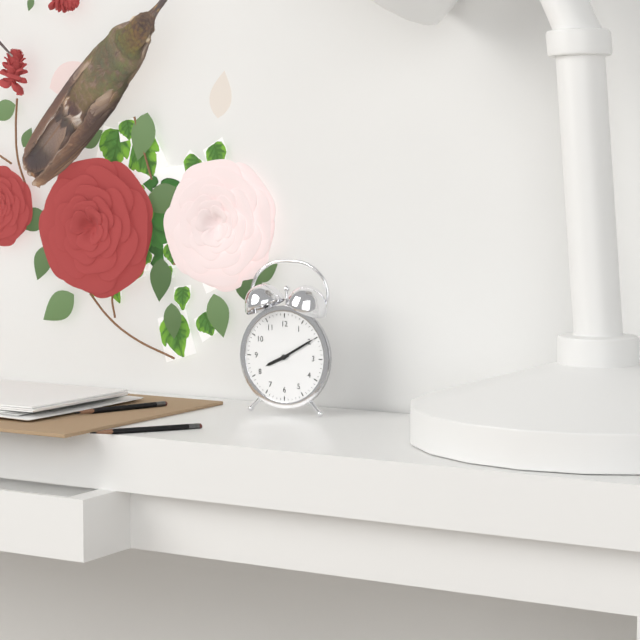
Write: 8:10
